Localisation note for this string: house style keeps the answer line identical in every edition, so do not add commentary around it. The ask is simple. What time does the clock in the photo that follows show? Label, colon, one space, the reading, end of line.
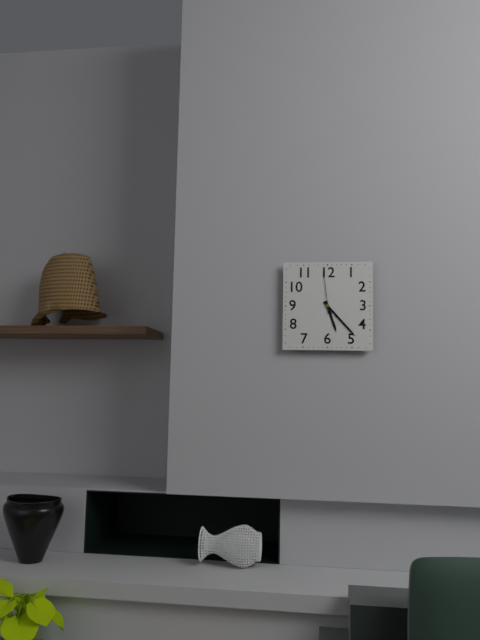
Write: 5:23
